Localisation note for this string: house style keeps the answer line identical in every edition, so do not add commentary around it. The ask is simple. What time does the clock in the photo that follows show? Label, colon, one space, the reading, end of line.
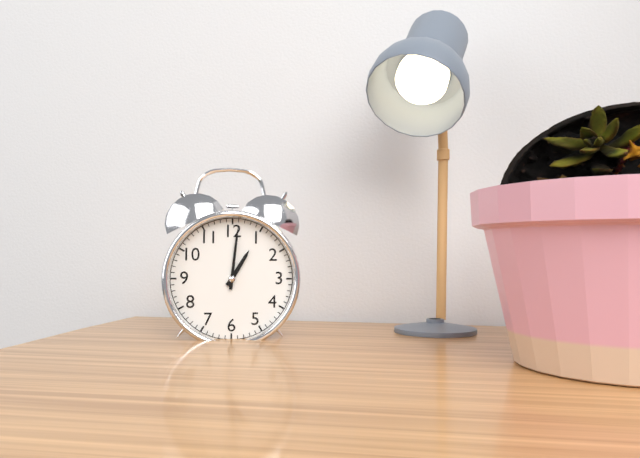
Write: 1:01
